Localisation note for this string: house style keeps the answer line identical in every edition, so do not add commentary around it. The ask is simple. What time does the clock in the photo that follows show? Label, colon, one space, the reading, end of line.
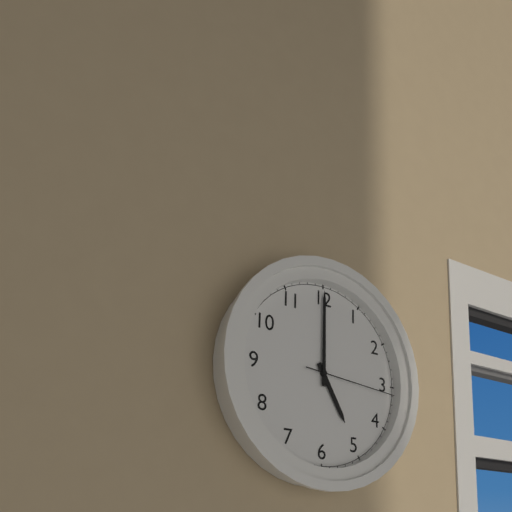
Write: 5:00:16
